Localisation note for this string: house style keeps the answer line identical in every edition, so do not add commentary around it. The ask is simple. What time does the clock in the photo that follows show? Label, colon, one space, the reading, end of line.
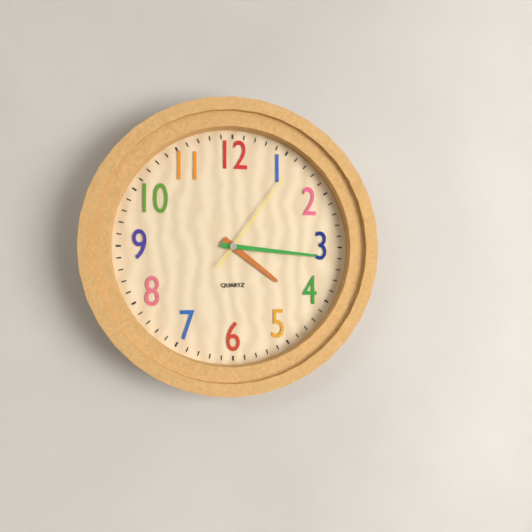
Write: 4:16:06
